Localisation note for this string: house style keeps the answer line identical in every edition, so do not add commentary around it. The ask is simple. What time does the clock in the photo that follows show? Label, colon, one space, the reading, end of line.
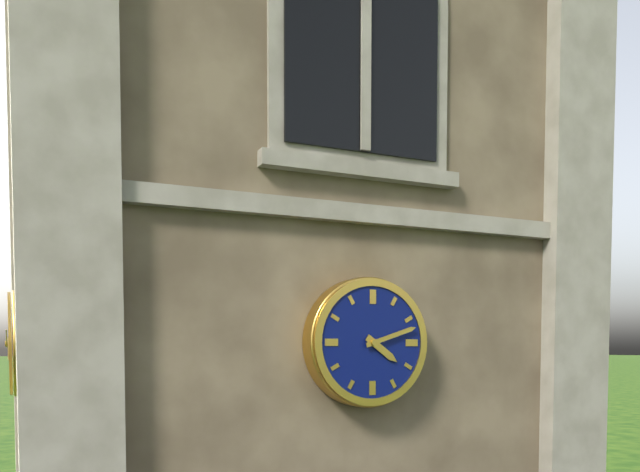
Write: 4:12
